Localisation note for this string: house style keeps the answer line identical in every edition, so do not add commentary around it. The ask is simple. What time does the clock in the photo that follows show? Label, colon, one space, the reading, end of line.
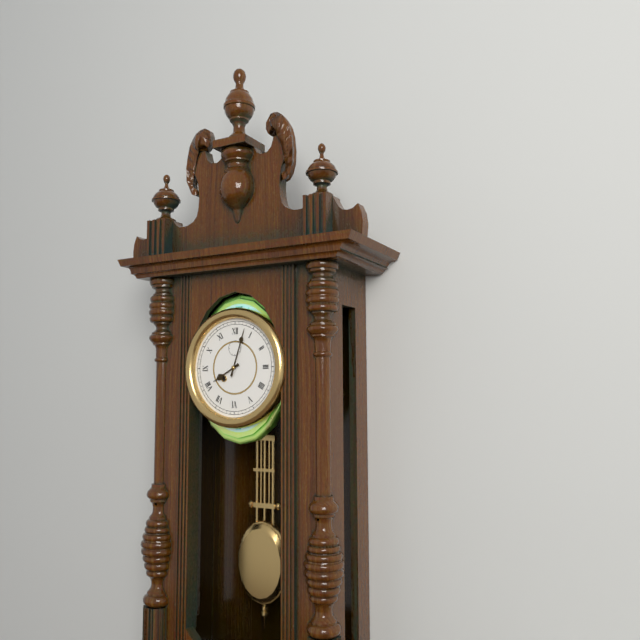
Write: 8:03
